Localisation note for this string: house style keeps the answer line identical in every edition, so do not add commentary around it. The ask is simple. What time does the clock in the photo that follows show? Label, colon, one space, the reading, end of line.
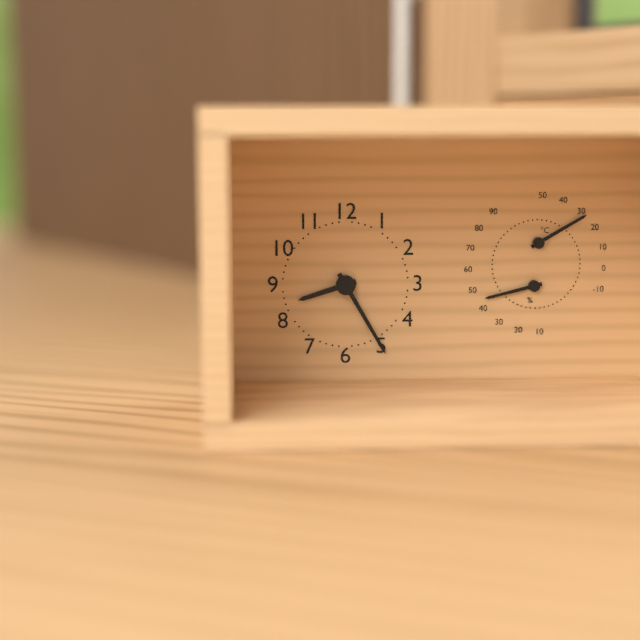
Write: 8:25
